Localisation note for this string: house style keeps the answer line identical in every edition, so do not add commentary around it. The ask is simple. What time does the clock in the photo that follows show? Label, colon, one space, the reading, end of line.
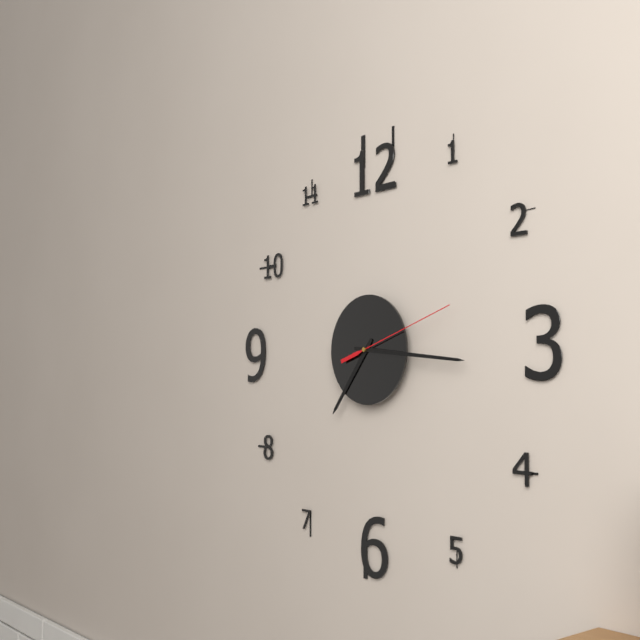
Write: 7:16:12
